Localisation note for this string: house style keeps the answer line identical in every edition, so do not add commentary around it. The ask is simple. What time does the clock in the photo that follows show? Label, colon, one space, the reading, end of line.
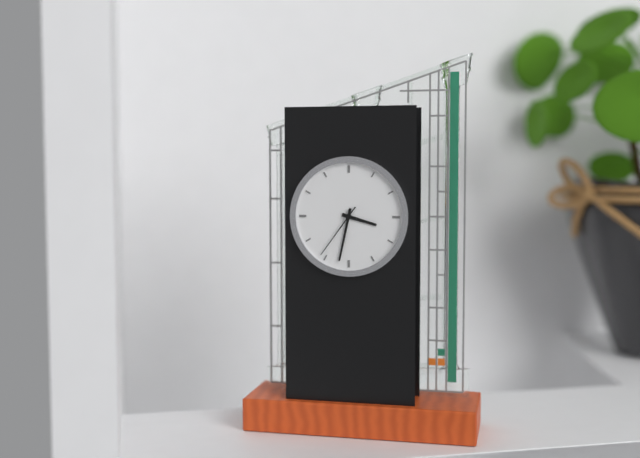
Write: 3:32:36
